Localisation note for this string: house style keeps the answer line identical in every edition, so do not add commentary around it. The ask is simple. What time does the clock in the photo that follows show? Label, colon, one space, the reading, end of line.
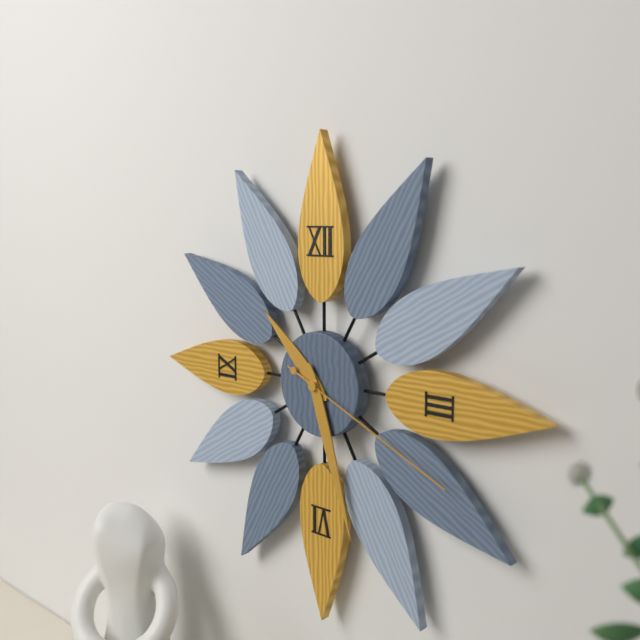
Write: 10:27:19
